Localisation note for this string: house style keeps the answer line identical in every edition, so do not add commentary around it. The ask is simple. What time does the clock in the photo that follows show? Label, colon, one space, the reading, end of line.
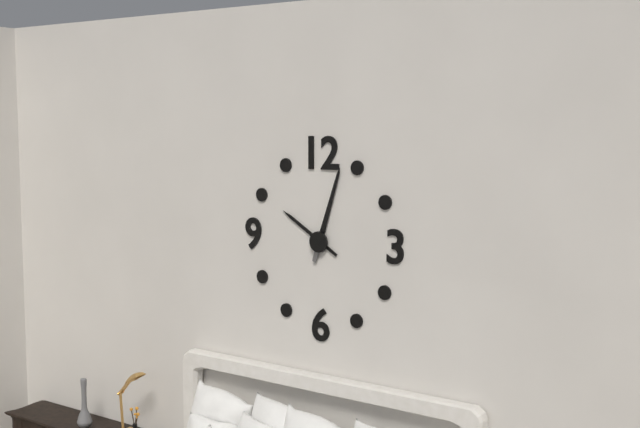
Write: 10:03
